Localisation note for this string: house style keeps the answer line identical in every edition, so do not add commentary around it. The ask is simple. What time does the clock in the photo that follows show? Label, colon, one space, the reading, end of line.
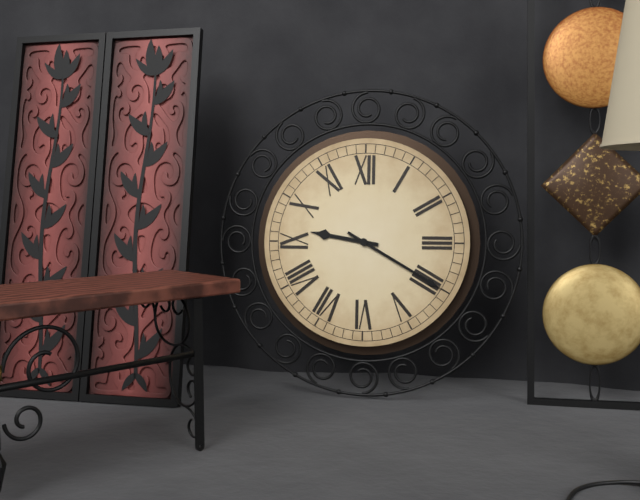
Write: 9:20
